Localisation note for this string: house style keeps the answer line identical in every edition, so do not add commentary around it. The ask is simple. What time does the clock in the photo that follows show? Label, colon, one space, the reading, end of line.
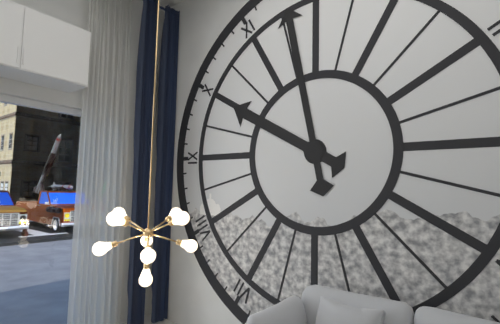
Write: 9:58
